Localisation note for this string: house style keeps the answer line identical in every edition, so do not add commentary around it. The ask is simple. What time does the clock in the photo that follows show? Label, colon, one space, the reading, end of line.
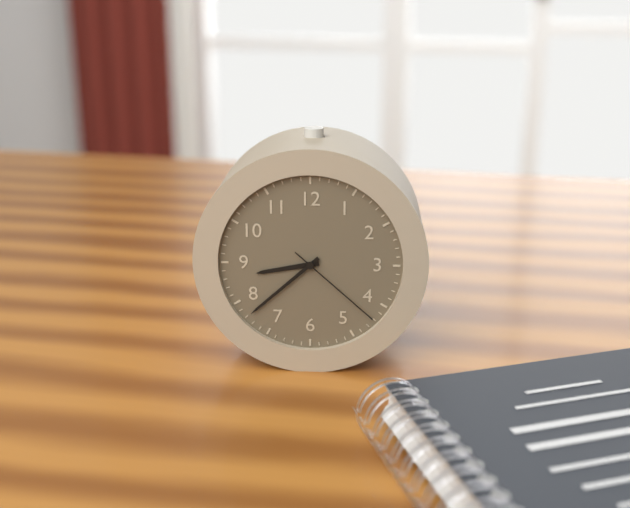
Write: 8:38:22
